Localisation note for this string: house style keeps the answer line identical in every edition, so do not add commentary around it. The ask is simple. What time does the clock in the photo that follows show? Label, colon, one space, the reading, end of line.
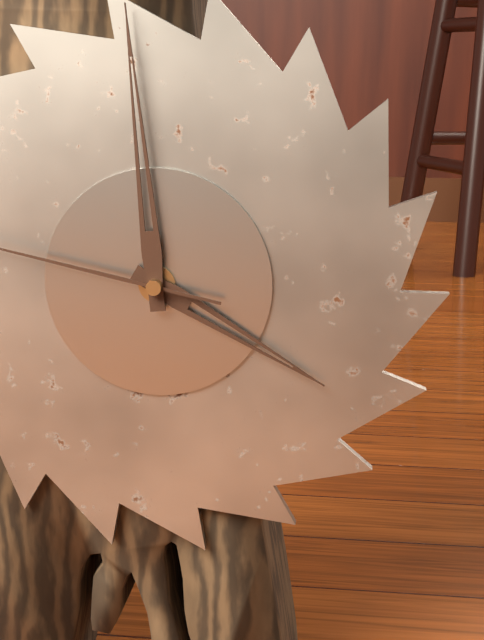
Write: 3:59
